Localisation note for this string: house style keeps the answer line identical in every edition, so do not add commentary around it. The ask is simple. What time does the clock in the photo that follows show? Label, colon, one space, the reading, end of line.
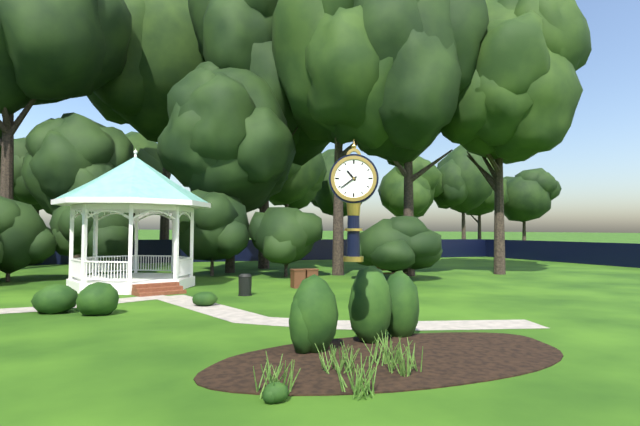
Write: 10:39
